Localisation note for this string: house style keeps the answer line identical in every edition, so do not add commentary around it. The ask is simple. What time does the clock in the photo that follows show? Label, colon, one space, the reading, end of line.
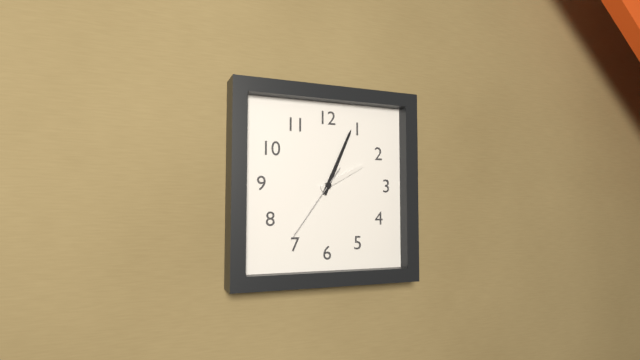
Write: 2:04:36
